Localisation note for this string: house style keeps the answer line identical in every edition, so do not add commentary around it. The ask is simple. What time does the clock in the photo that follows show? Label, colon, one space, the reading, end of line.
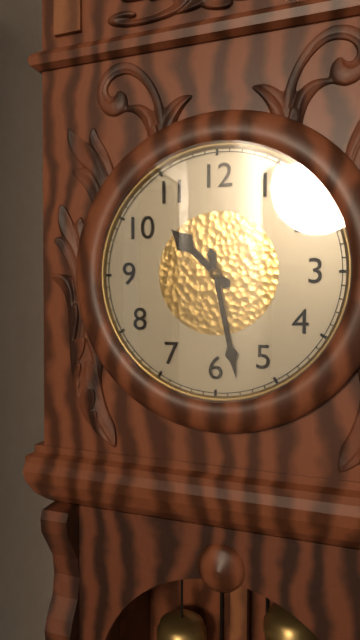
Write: 10:28
